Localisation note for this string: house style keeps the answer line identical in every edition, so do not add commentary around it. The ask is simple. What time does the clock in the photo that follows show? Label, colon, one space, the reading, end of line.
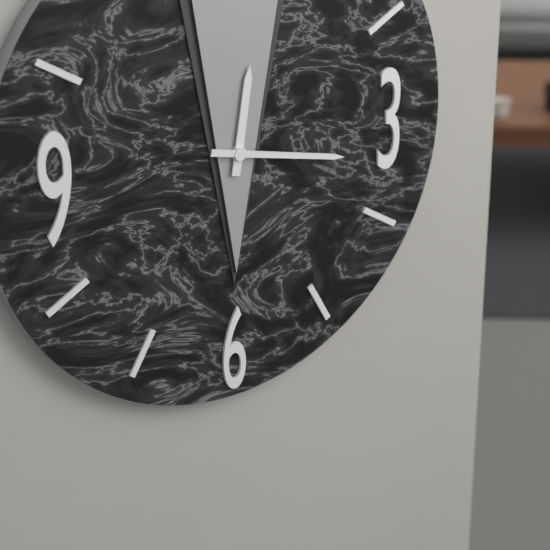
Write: 12:17
